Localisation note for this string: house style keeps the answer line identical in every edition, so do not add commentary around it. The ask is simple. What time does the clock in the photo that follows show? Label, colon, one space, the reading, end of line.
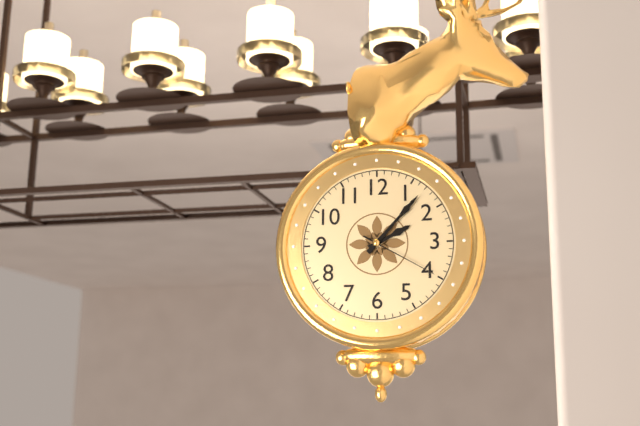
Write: 2:07:20
